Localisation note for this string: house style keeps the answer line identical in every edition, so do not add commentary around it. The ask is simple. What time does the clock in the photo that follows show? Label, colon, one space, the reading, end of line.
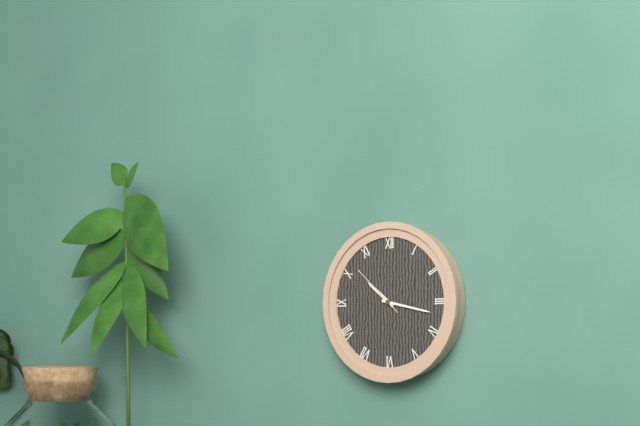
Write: 10:17:52
